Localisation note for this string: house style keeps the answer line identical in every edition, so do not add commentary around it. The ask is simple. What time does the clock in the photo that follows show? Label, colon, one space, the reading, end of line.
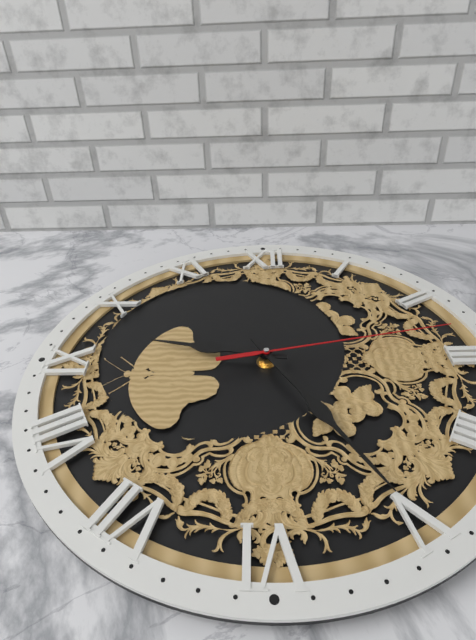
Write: 9:25:13
